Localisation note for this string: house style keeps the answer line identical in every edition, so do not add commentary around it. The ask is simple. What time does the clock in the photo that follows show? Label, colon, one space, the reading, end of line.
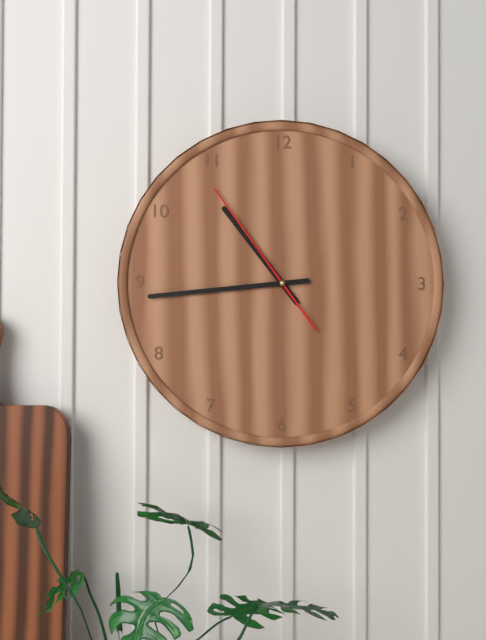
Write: 10:44:54
